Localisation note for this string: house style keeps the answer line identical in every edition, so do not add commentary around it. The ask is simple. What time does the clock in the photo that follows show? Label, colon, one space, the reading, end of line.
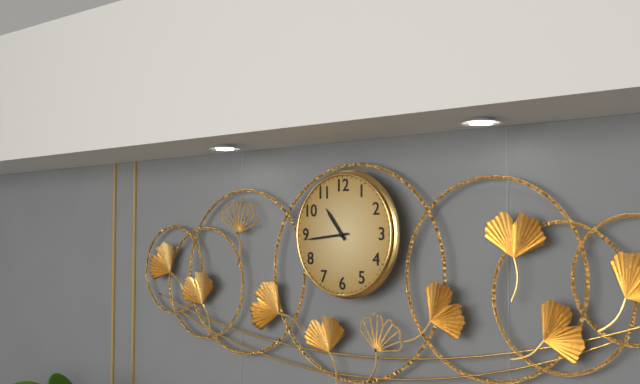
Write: 10:44
